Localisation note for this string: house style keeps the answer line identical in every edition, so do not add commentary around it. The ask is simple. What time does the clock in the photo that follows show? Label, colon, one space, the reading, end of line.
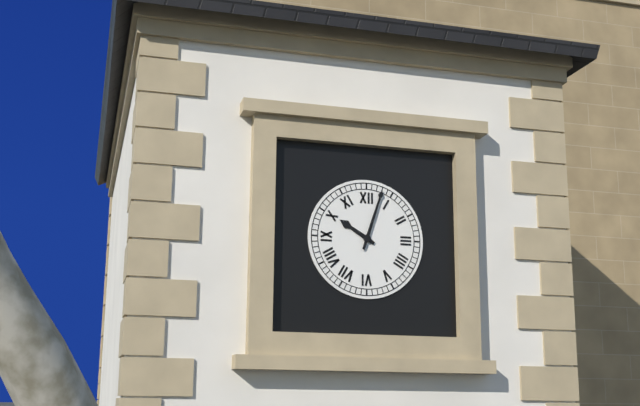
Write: 10:03
